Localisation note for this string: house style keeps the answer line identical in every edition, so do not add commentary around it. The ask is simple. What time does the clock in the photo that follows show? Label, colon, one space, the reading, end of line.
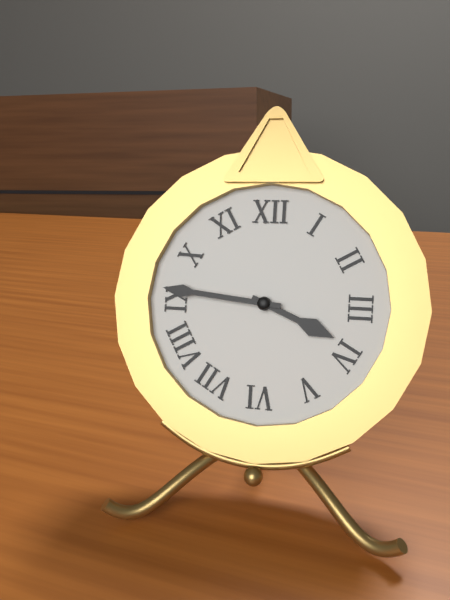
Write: 3:46
